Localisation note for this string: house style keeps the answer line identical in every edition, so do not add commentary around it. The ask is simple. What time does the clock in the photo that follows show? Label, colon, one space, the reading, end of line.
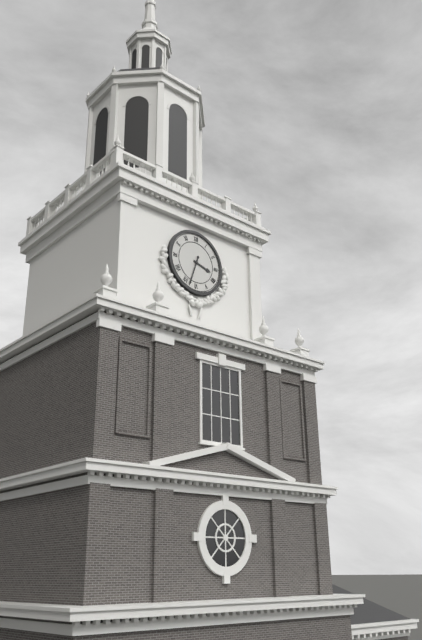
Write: 3:33
